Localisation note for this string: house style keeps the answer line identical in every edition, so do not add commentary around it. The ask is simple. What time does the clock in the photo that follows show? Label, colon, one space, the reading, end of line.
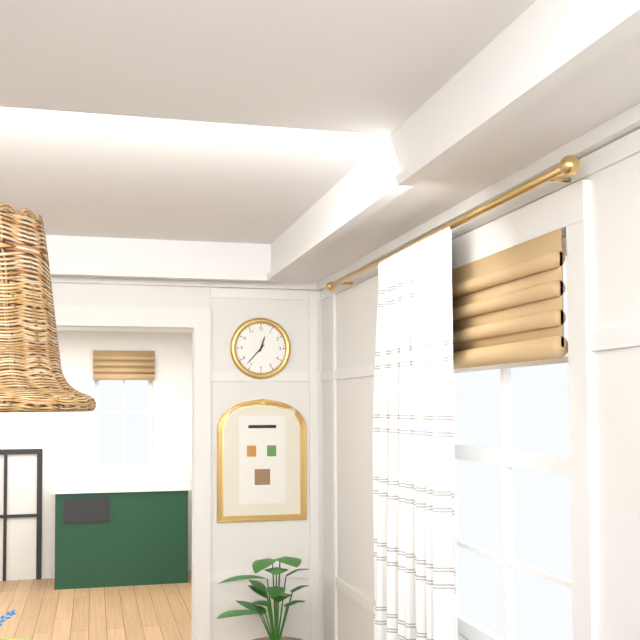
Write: 12:37
